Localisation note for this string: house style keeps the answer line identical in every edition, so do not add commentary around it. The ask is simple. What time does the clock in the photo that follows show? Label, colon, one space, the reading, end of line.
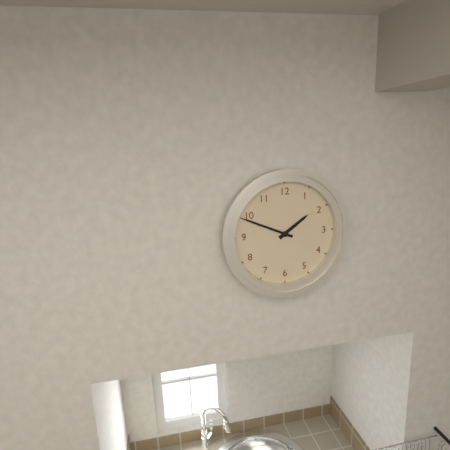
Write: 1:49
